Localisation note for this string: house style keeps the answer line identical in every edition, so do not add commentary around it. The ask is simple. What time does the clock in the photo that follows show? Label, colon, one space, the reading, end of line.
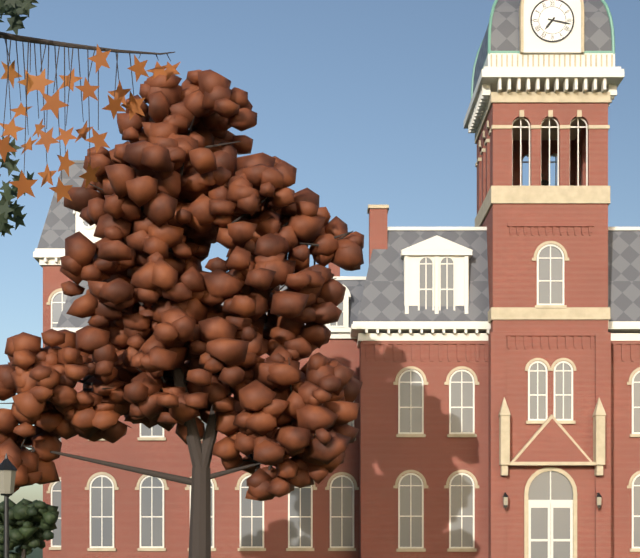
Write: 7:17
